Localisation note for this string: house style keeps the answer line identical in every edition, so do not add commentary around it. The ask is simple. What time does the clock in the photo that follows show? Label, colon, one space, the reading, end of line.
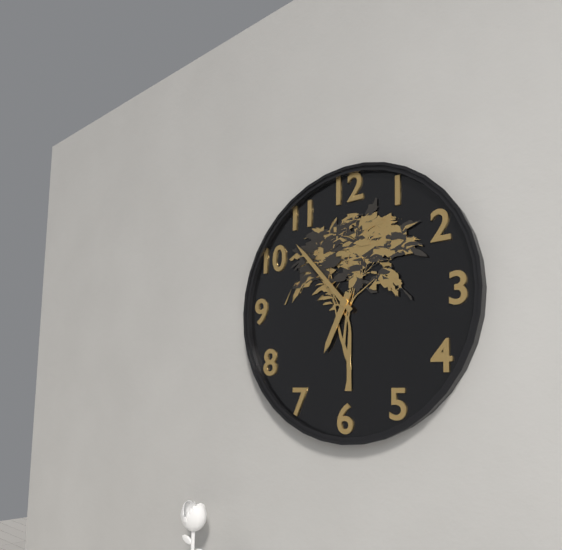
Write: 6:53
